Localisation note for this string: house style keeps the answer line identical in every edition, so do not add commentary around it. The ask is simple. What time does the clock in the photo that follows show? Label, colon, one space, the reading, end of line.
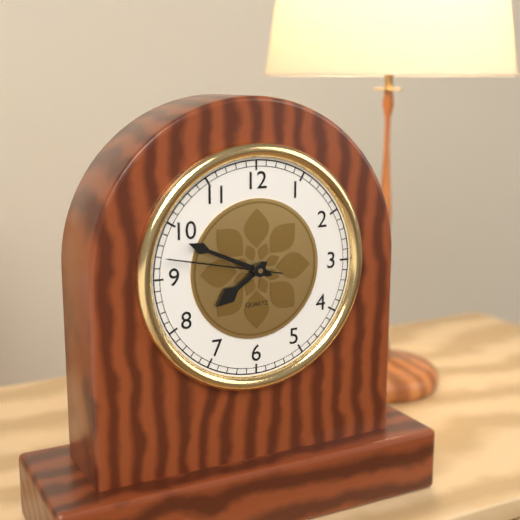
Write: 7:49:47
